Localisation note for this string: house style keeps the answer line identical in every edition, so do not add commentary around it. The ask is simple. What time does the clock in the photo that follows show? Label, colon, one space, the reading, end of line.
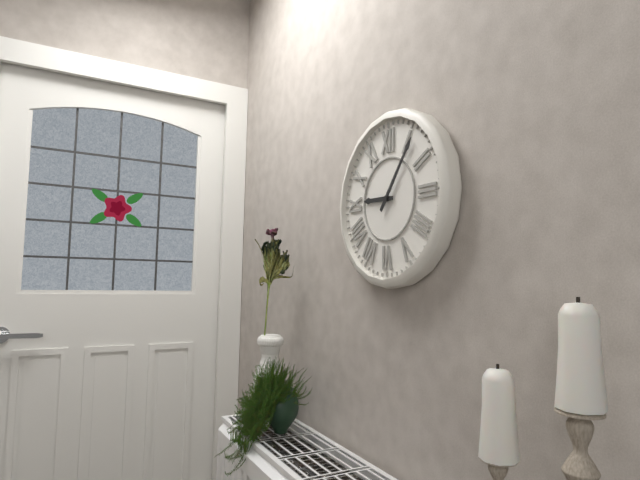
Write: 9:06
